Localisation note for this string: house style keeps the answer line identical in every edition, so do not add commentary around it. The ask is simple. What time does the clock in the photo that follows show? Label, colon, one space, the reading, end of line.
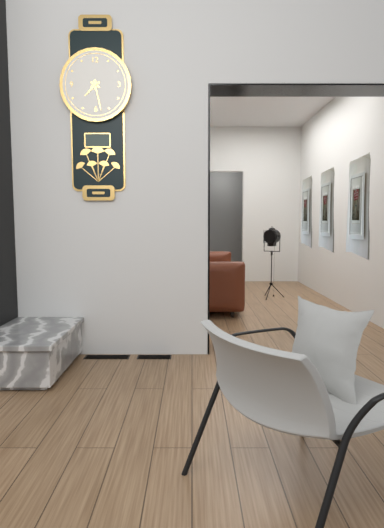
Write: 7:28
